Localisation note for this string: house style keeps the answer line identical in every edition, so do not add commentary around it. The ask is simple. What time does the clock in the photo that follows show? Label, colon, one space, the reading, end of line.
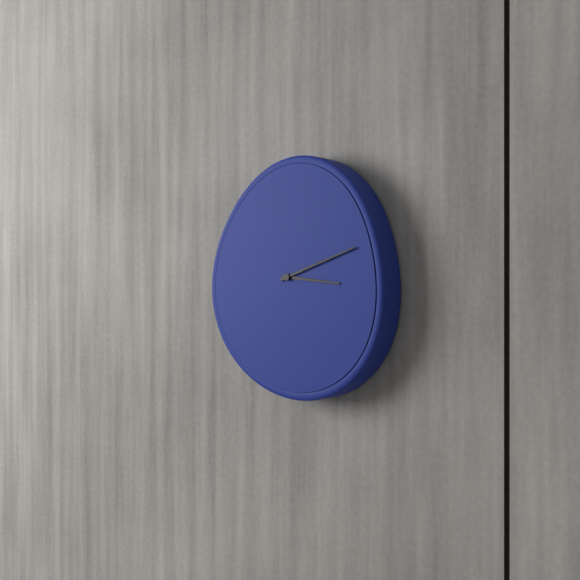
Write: 3:12
